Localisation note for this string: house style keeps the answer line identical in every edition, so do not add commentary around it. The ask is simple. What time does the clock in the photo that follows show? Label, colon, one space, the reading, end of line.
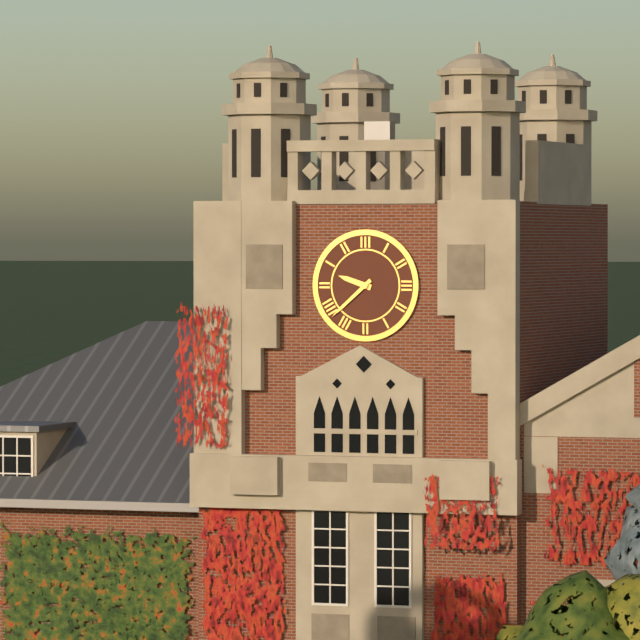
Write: 9:38
